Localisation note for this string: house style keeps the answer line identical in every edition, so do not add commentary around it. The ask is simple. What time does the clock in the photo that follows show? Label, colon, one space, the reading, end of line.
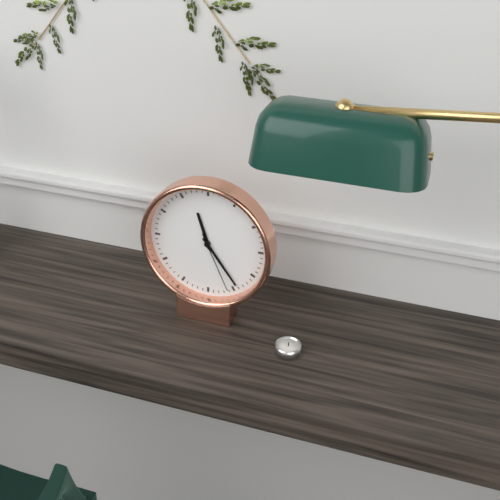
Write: 11:24:26
